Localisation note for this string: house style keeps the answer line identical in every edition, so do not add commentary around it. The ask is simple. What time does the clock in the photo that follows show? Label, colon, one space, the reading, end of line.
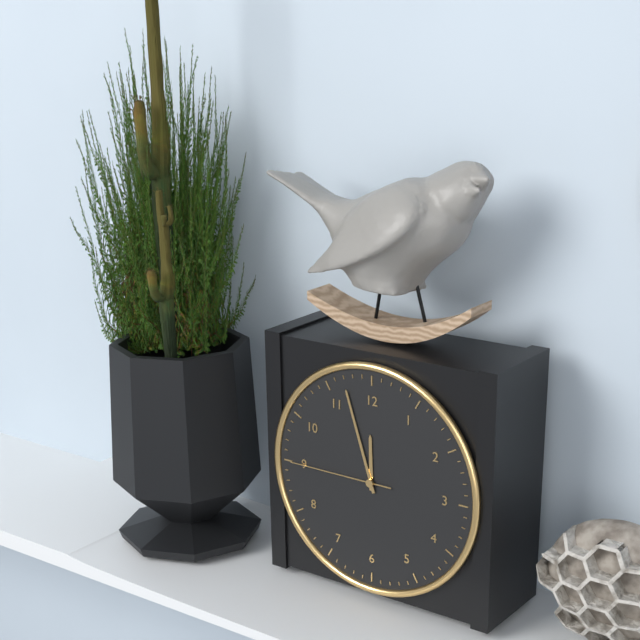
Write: 11:57:45
